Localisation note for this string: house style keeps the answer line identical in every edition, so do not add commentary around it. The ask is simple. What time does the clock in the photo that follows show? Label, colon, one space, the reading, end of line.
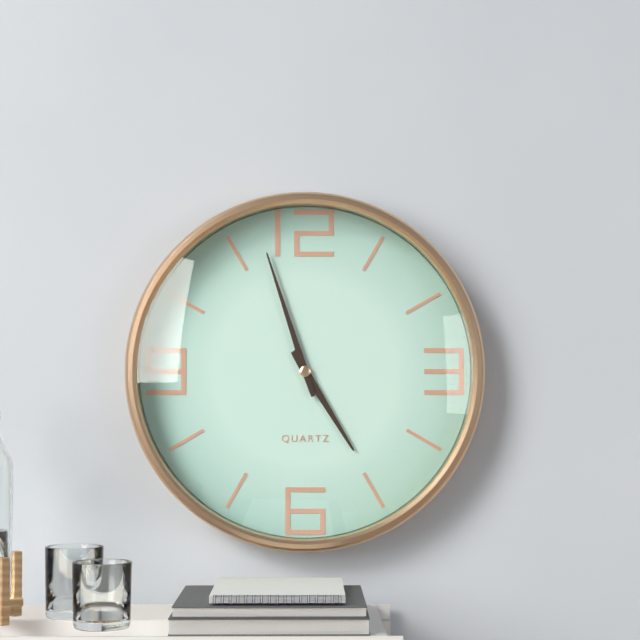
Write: 4:57
